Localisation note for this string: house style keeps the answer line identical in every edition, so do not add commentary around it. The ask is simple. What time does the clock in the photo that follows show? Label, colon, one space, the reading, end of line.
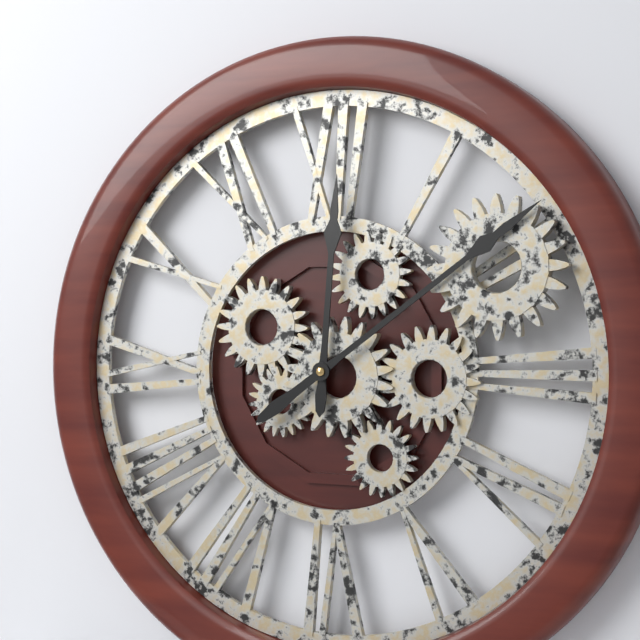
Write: 12:09
